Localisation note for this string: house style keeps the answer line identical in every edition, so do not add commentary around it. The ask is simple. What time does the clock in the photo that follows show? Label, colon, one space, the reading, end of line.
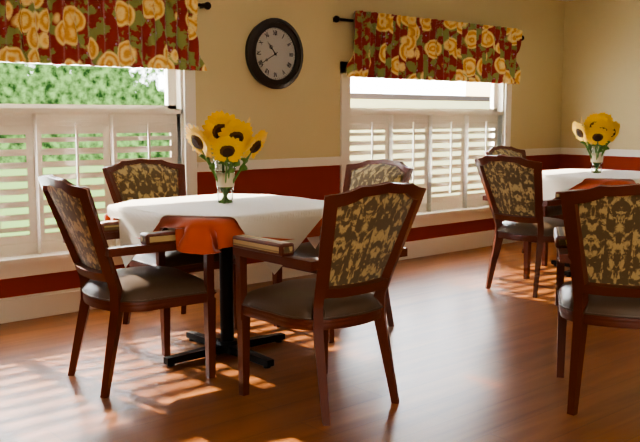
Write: 10:40
